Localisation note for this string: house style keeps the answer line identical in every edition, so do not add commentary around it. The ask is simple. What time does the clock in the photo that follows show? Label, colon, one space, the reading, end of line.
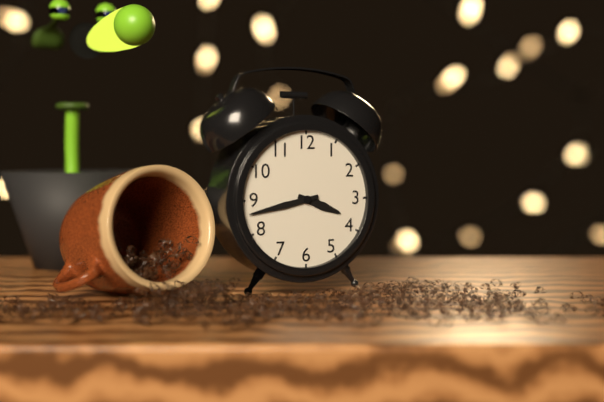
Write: 3:43
